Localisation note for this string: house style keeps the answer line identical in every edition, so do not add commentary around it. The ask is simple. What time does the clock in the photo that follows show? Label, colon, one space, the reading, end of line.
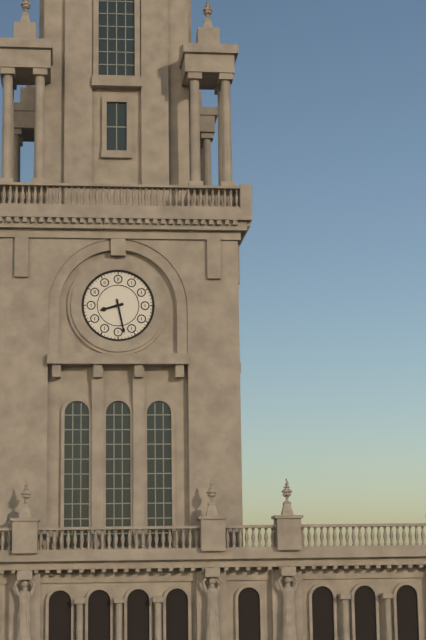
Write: 8:28
